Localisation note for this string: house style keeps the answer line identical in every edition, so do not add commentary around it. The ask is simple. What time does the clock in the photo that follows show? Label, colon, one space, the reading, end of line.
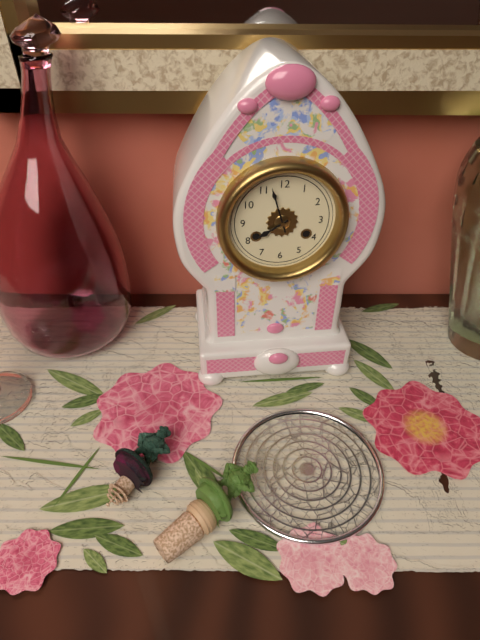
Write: 7:57
